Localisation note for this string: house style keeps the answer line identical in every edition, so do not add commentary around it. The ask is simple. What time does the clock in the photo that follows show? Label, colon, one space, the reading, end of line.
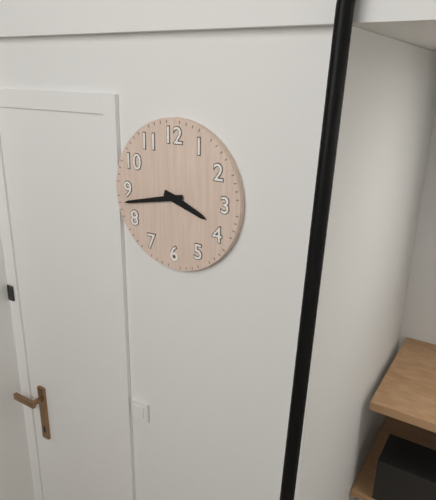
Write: 3:43
